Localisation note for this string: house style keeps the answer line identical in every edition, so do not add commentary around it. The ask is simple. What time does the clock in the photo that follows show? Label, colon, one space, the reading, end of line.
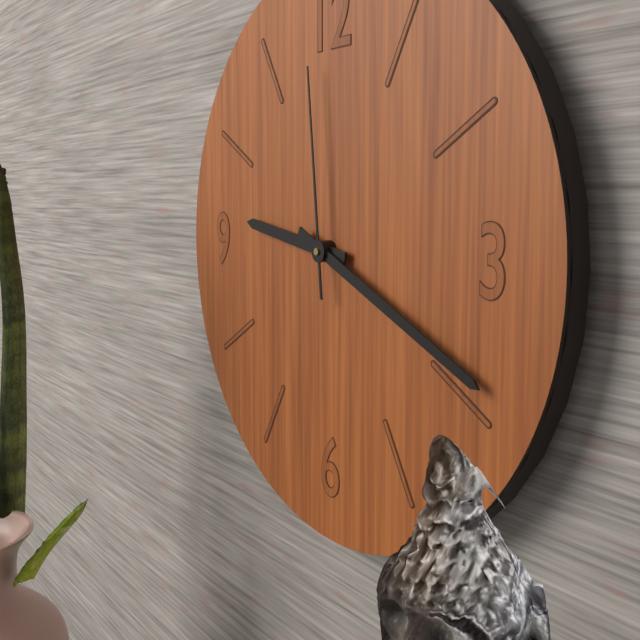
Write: 9:19:59
